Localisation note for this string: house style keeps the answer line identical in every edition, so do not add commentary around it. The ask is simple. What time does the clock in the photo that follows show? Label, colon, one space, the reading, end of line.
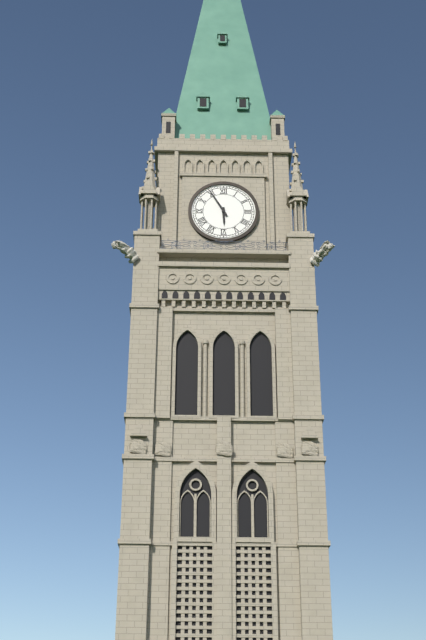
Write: 5:55
